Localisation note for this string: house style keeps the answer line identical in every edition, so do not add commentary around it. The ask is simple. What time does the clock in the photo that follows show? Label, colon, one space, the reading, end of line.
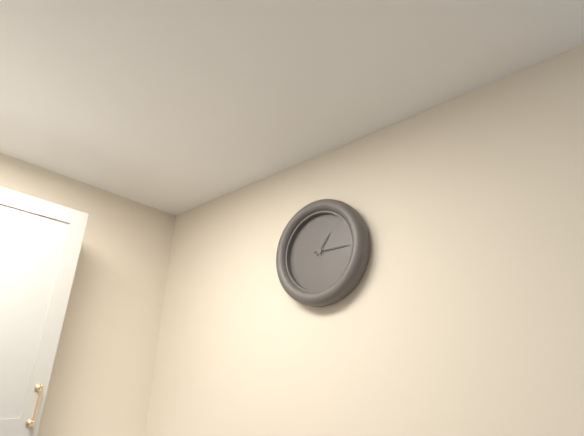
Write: 1:15
